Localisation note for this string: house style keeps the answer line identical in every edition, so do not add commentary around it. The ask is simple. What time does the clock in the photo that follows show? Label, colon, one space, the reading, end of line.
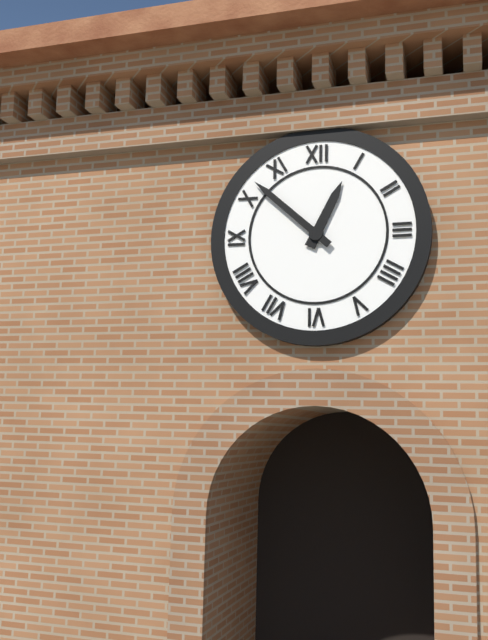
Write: 12:52
